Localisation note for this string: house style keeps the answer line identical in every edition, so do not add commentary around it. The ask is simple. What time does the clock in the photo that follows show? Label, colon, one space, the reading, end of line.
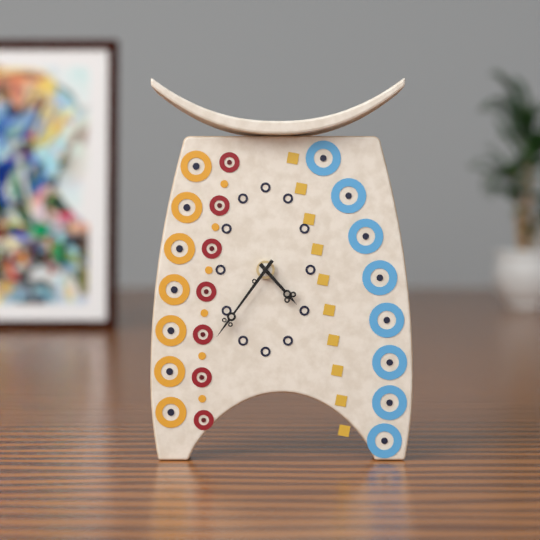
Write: 4:36
